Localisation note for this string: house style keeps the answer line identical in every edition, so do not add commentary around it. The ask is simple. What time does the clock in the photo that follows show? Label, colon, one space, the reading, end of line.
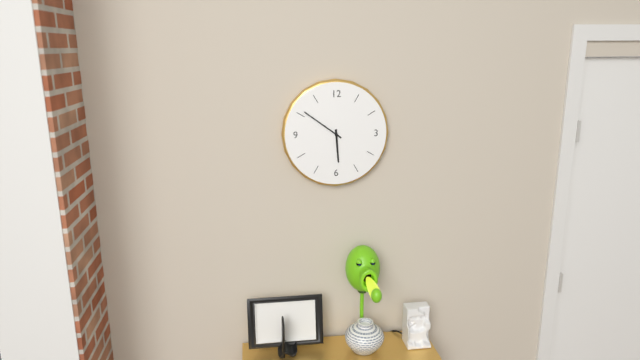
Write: 5:51
